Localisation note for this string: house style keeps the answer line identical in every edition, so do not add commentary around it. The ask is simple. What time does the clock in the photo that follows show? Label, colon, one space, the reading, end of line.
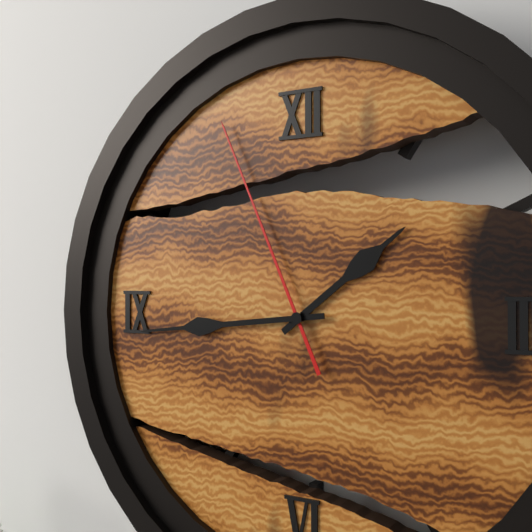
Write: 1:44:56
